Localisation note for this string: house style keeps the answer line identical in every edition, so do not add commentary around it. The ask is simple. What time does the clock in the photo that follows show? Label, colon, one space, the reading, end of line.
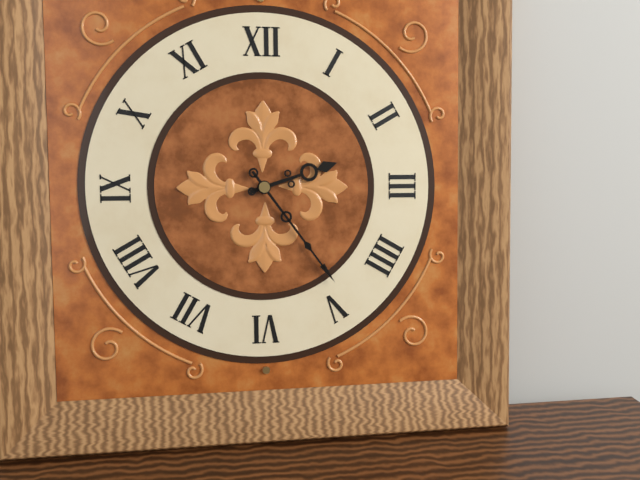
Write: 2:24
